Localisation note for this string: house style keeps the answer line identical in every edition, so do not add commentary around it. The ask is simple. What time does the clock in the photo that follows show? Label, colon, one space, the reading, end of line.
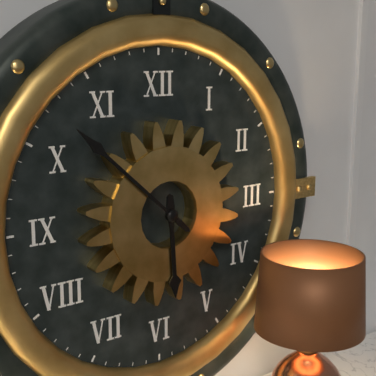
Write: 5:52
